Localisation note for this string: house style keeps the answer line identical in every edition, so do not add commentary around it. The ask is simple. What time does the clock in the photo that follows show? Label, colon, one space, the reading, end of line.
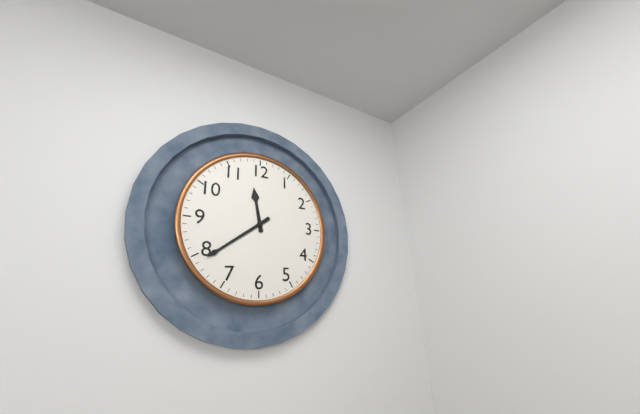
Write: 11:39
